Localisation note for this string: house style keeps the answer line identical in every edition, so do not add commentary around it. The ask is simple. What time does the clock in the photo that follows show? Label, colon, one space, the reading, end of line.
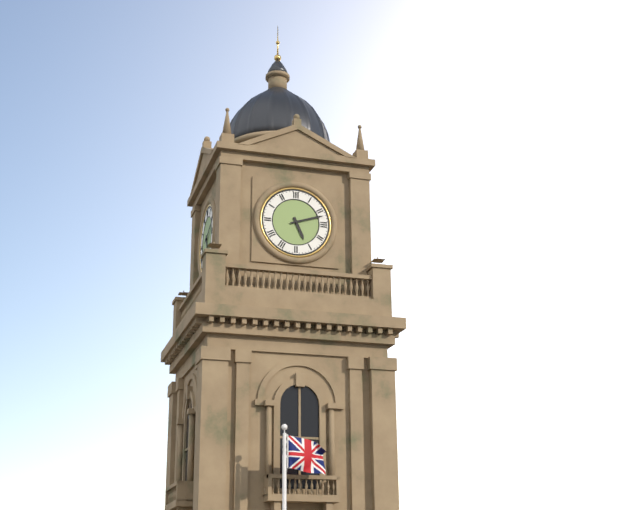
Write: 5:12
